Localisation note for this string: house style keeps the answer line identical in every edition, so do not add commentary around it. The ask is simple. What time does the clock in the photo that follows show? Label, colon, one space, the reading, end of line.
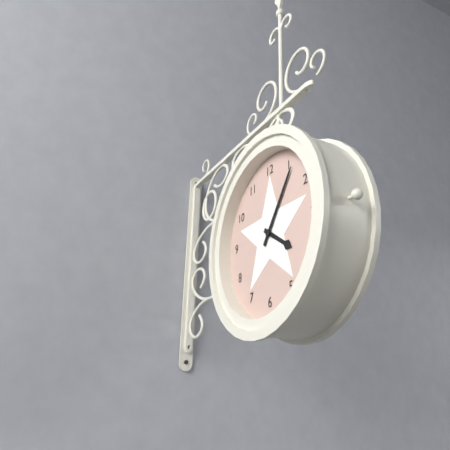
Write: 4:06
